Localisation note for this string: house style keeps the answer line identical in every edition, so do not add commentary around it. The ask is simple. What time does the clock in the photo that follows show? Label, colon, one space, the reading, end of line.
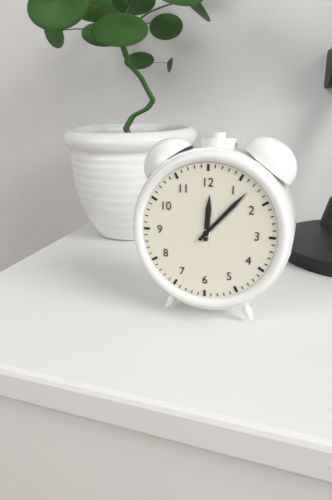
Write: 12:07
